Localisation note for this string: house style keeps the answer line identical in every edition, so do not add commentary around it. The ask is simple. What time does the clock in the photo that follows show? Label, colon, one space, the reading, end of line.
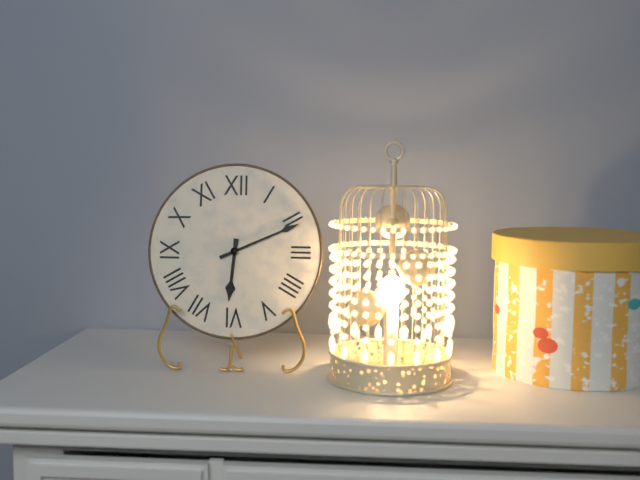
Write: 6:11
